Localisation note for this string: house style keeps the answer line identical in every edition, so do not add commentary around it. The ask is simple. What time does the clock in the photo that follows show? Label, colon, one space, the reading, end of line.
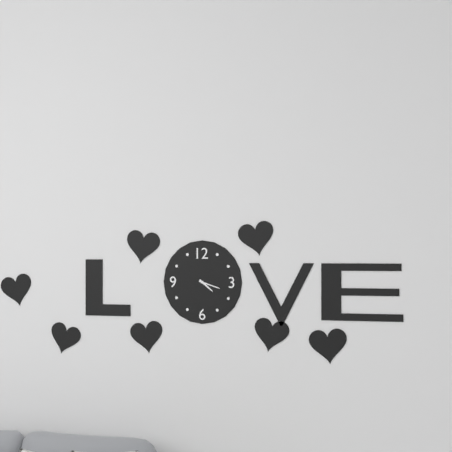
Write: 4:18
